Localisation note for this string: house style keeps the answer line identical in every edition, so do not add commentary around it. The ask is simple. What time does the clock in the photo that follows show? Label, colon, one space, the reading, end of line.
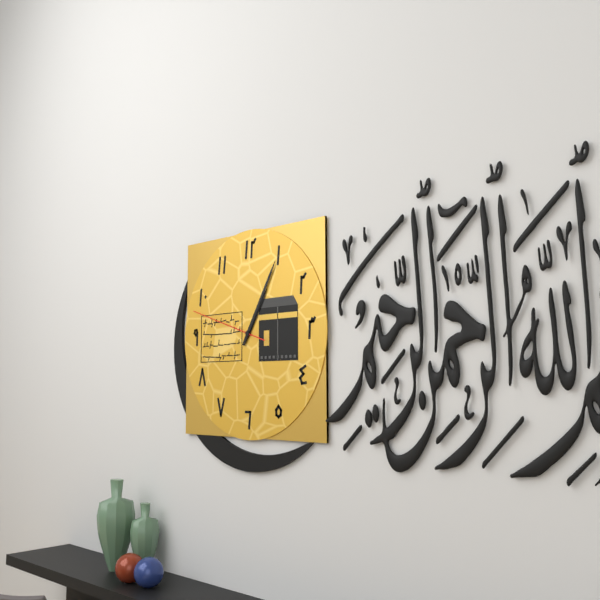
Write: 1:05:48
